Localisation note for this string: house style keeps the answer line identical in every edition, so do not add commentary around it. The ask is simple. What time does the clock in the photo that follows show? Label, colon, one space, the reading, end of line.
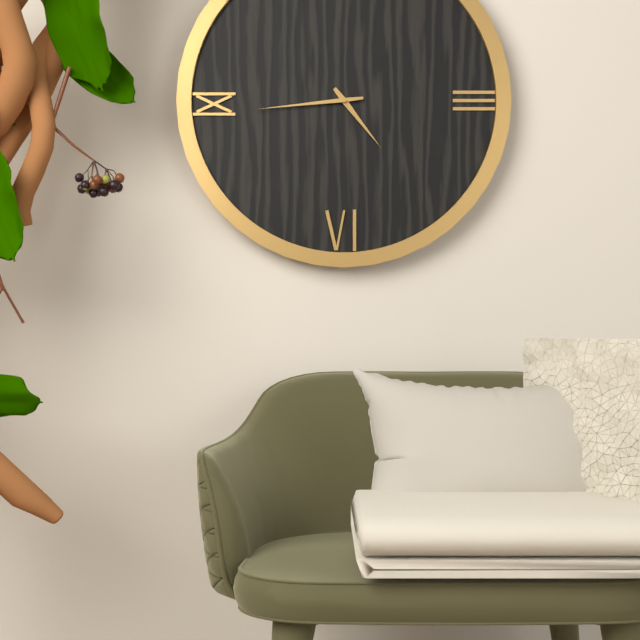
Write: 4:44
